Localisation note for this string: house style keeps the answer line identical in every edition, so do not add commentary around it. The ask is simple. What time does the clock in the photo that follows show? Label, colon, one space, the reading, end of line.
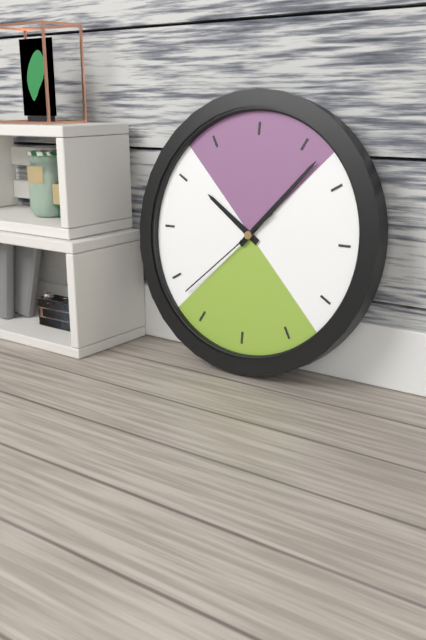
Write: 10:07:38
